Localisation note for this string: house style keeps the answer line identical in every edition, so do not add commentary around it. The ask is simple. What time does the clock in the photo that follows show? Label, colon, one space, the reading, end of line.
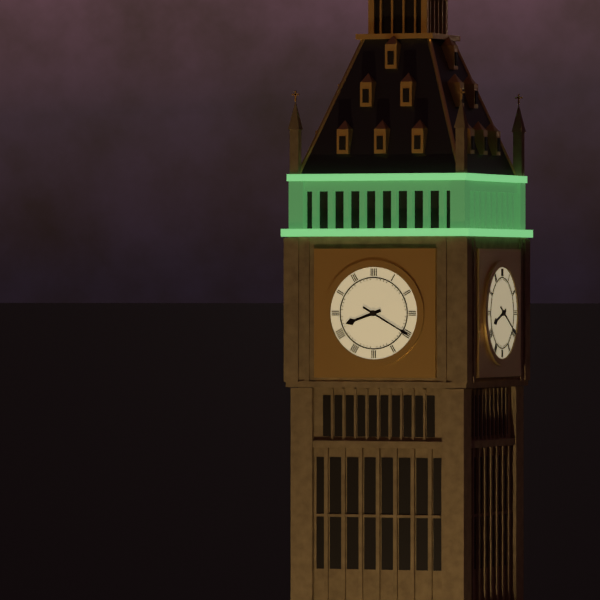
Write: 8:20
